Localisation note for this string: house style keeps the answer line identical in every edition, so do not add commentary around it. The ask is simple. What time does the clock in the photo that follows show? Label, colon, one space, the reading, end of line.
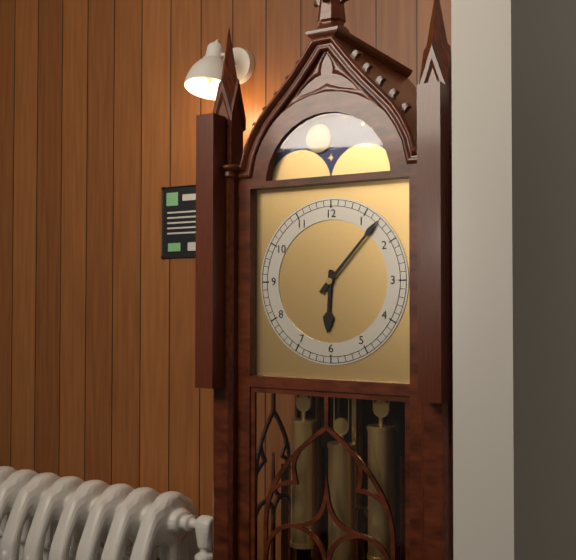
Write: 6:07
